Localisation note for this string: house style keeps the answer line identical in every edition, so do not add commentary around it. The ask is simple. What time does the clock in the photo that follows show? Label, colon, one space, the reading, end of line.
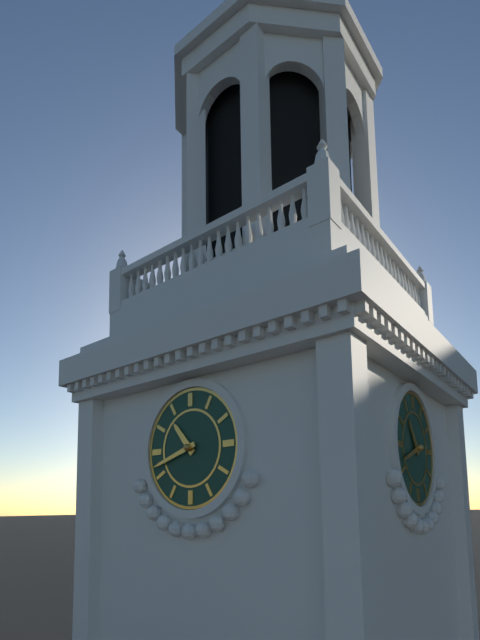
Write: 10:42
